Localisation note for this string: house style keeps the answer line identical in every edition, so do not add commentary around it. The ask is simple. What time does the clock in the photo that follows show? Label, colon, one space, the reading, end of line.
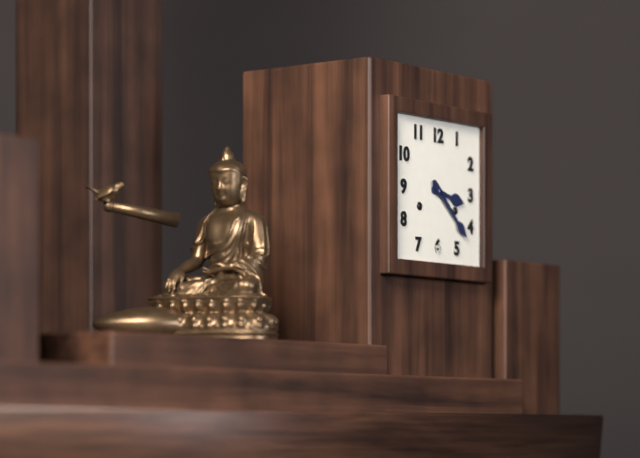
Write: 3:22
